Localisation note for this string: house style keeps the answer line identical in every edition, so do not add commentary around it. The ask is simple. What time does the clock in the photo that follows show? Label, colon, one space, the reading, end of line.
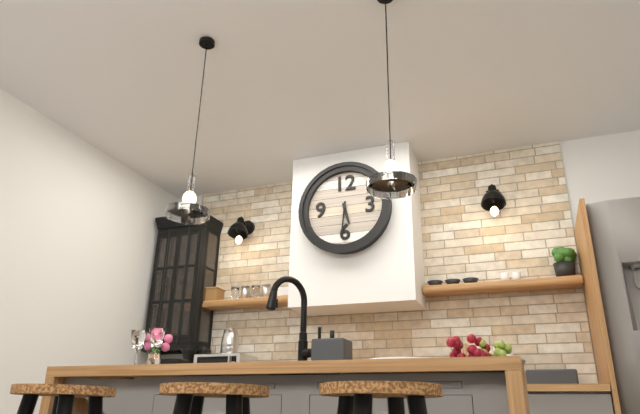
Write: 5:31
